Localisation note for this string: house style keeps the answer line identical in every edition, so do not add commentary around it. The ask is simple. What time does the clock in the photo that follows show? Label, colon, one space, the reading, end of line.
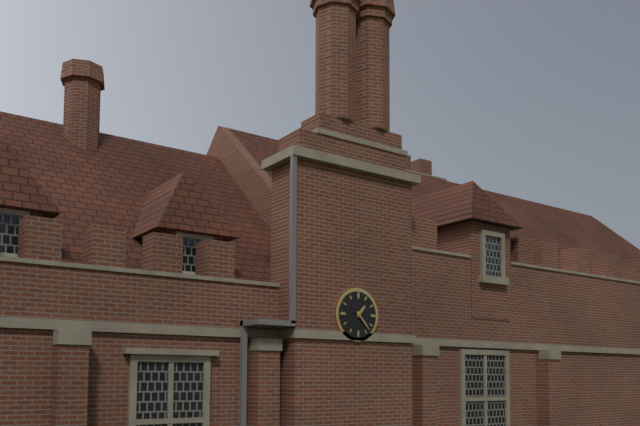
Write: 1:23
